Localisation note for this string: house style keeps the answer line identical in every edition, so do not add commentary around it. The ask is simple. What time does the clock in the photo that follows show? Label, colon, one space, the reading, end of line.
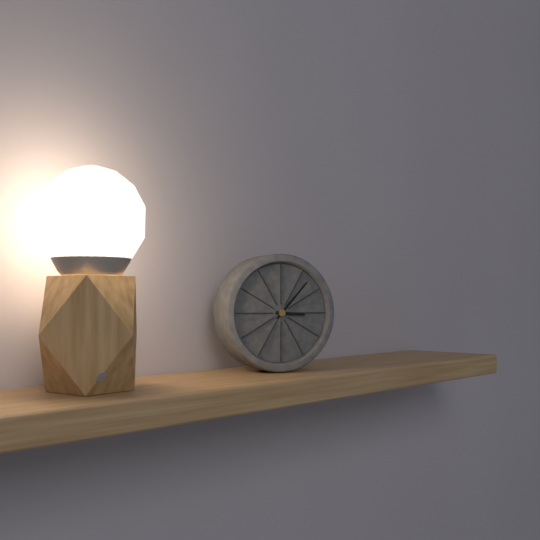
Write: 3:07
